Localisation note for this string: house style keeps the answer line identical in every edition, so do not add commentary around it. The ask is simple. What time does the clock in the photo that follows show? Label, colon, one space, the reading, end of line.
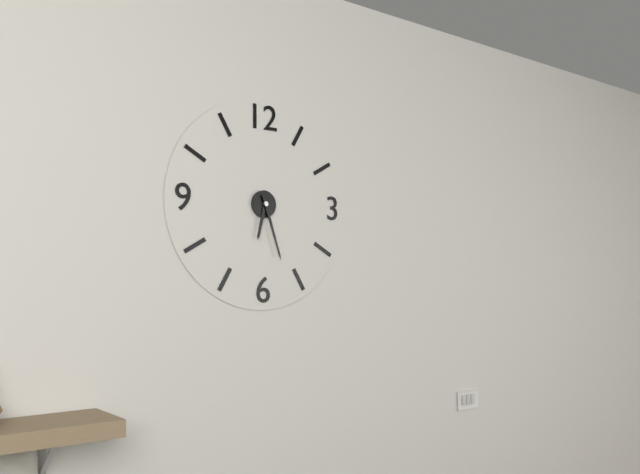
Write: 6:27
